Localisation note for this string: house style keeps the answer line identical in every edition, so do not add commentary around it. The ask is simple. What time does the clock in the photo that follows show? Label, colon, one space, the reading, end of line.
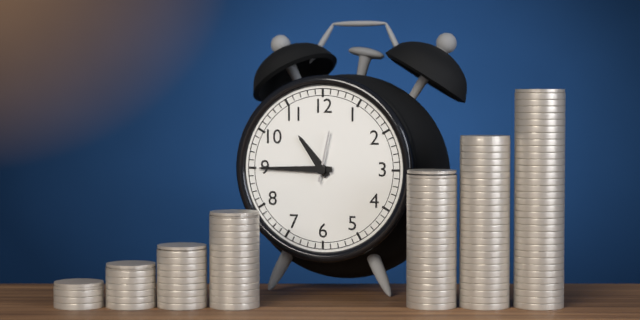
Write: 10:45
